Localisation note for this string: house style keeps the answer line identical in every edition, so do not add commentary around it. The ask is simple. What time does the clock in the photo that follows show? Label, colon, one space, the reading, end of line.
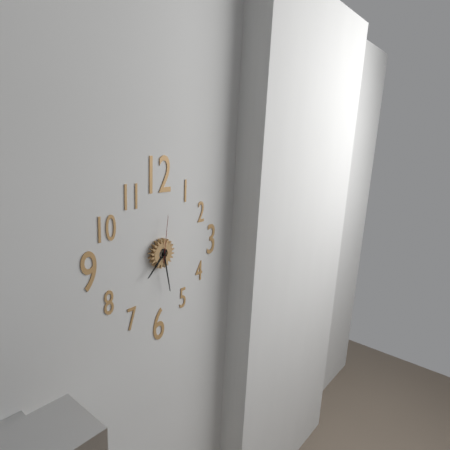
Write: 7:28
